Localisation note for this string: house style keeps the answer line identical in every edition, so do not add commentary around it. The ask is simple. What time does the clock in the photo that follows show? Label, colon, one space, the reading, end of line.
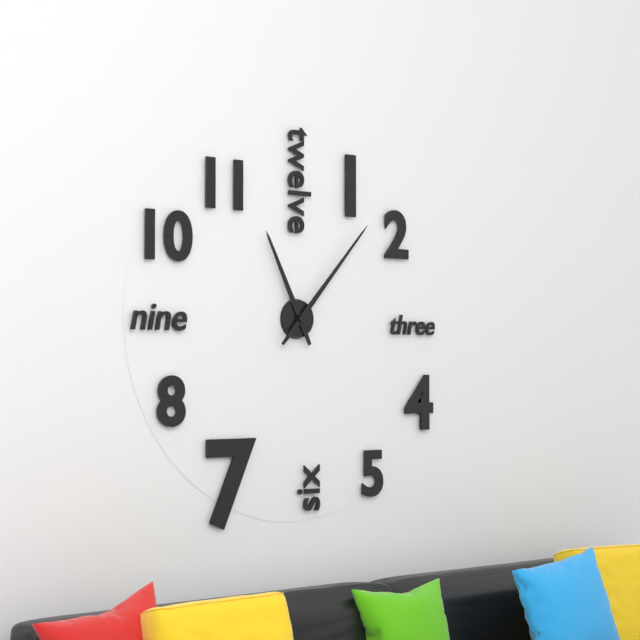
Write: 11:07
